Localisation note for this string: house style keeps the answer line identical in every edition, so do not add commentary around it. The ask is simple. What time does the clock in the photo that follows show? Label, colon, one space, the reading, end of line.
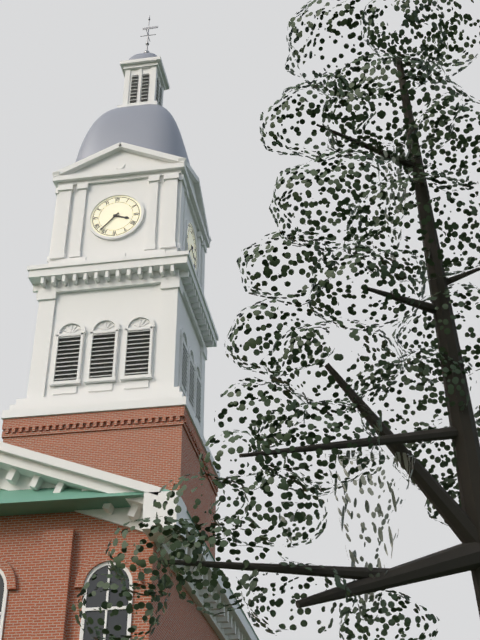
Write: 3:37
